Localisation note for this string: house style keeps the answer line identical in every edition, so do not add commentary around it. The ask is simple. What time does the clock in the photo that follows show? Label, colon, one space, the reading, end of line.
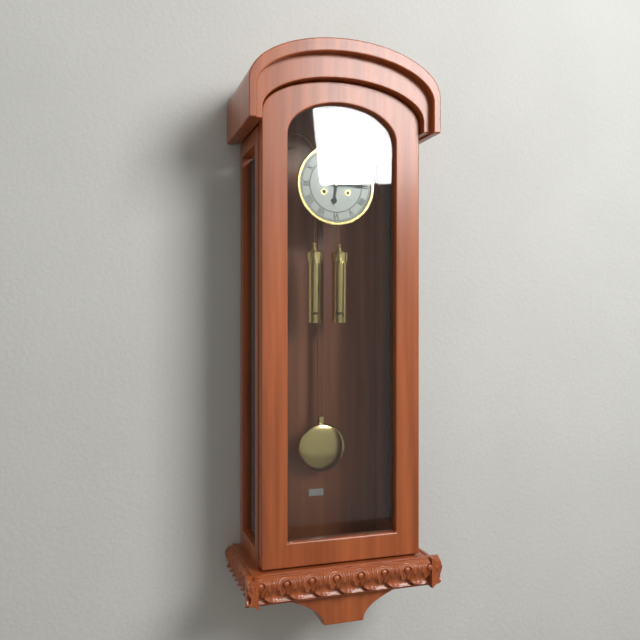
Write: 6:15
